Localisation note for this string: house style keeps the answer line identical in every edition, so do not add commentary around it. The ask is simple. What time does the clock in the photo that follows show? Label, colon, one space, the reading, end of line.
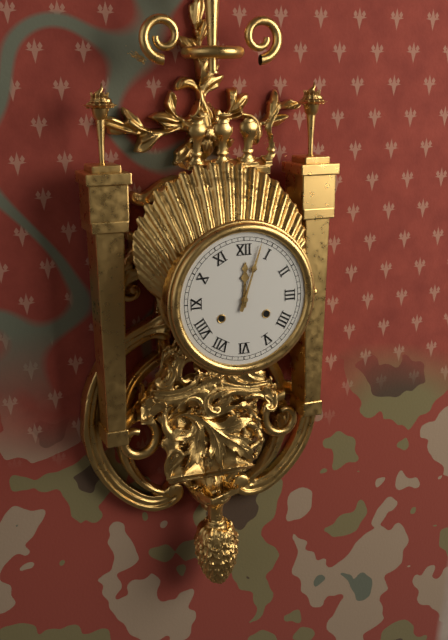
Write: 12:03
